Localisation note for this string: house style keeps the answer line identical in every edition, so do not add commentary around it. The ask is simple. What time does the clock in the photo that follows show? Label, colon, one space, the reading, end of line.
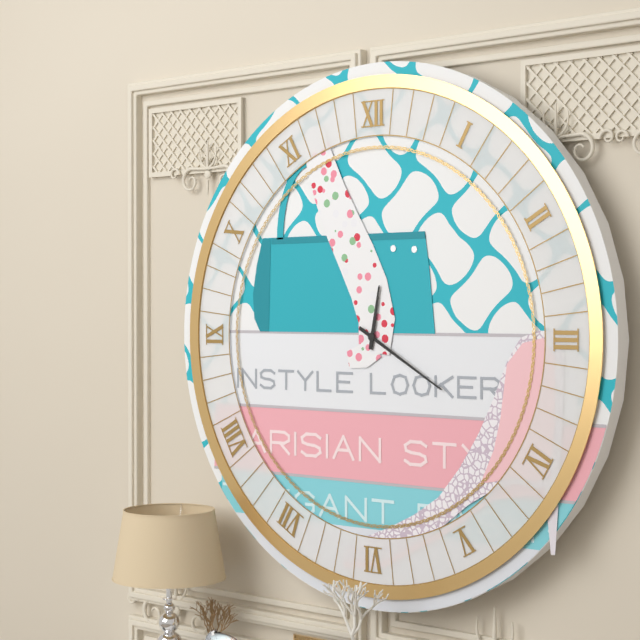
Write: 12:20
